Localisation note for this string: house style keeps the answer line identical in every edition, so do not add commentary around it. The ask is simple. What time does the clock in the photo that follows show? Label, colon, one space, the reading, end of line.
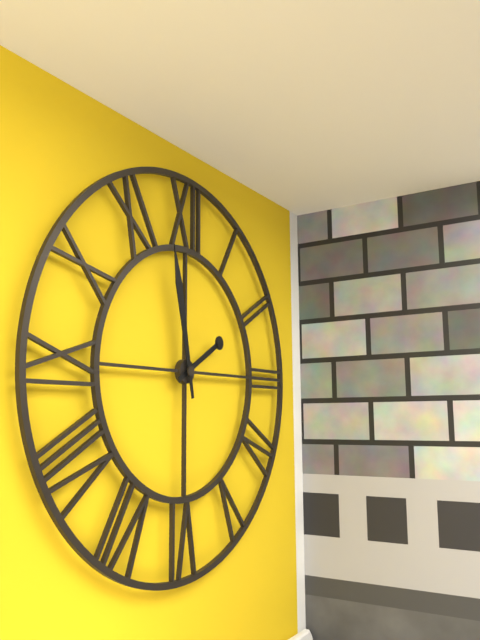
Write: 1:58
